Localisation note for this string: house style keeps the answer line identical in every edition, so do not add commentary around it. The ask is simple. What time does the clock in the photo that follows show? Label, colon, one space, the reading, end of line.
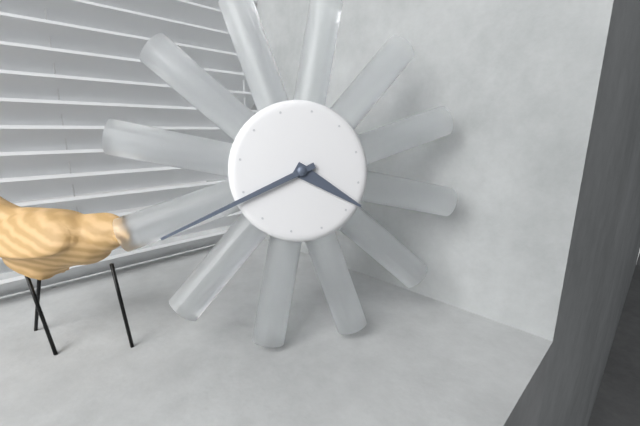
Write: 3:39
